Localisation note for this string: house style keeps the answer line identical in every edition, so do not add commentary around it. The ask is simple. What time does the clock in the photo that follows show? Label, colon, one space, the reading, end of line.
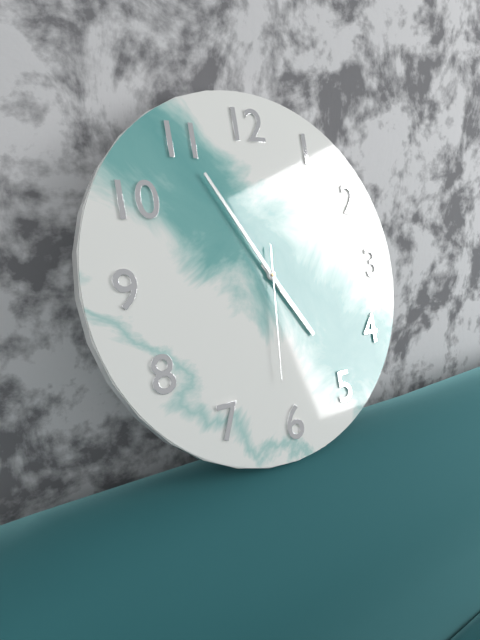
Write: 4:55:31
